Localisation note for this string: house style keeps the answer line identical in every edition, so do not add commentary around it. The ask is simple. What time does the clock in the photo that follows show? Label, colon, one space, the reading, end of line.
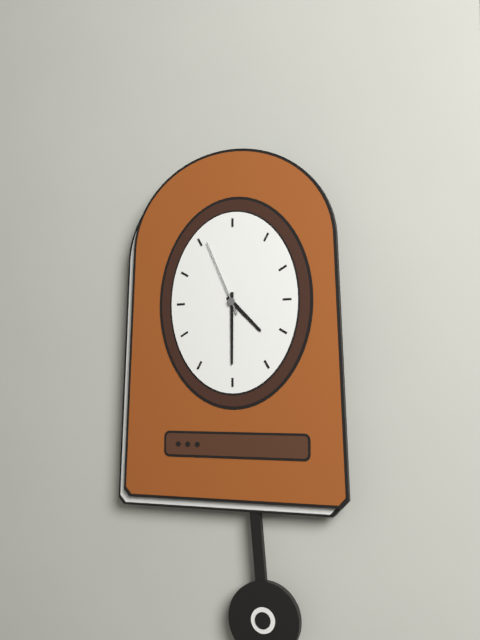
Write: 4:30:56
